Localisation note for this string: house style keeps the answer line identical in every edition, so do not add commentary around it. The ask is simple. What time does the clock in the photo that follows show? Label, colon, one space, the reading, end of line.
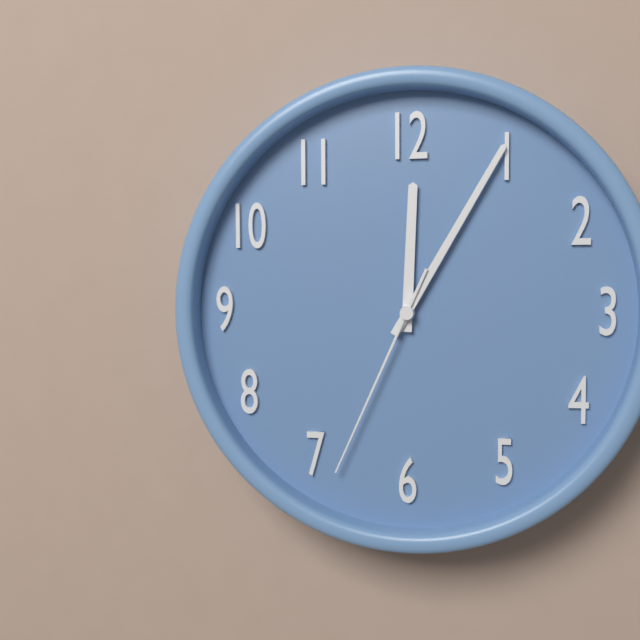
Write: 12:05:34
